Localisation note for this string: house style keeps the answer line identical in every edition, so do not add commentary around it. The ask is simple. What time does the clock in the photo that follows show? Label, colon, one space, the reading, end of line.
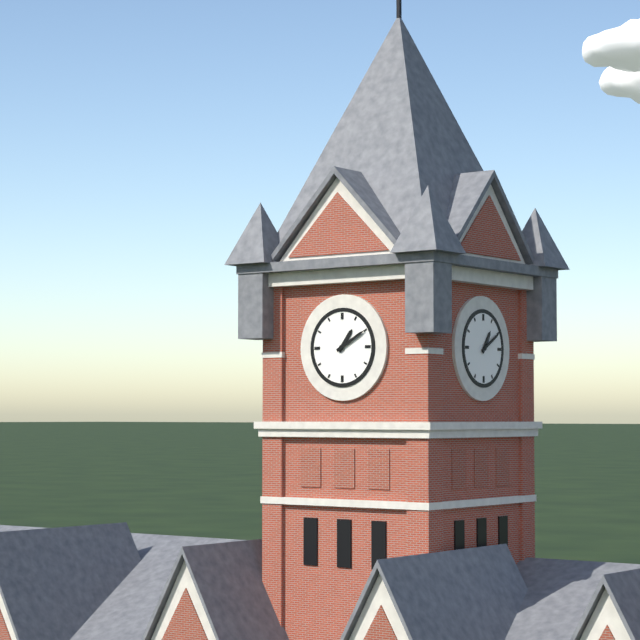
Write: 1:10
